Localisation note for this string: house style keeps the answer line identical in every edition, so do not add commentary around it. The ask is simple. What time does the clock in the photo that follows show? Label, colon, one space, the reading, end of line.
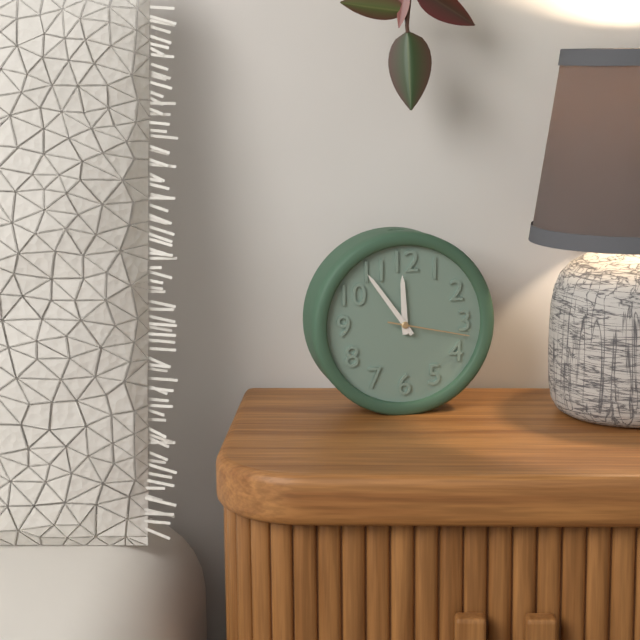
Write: 11:54:17
